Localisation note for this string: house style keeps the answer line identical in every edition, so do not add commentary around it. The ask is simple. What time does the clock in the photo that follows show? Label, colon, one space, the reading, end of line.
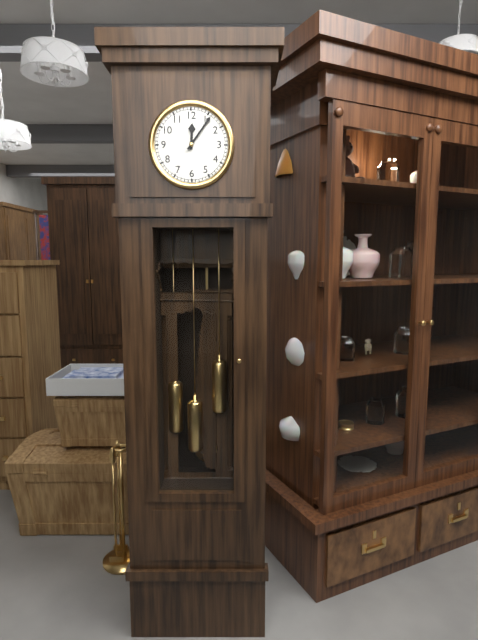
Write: 12:06
